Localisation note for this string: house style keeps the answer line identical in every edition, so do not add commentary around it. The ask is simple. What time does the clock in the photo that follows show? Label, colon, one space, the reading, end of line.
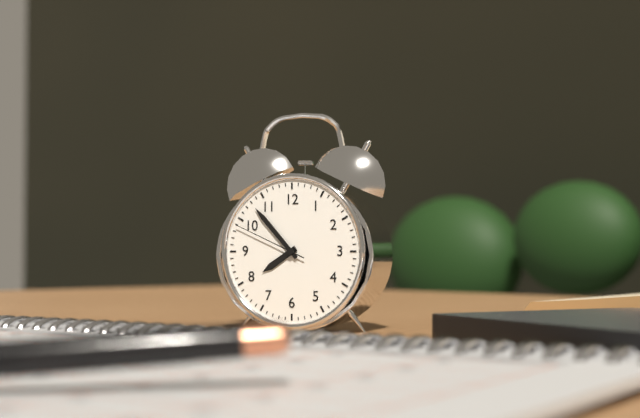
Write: 7:53:49
